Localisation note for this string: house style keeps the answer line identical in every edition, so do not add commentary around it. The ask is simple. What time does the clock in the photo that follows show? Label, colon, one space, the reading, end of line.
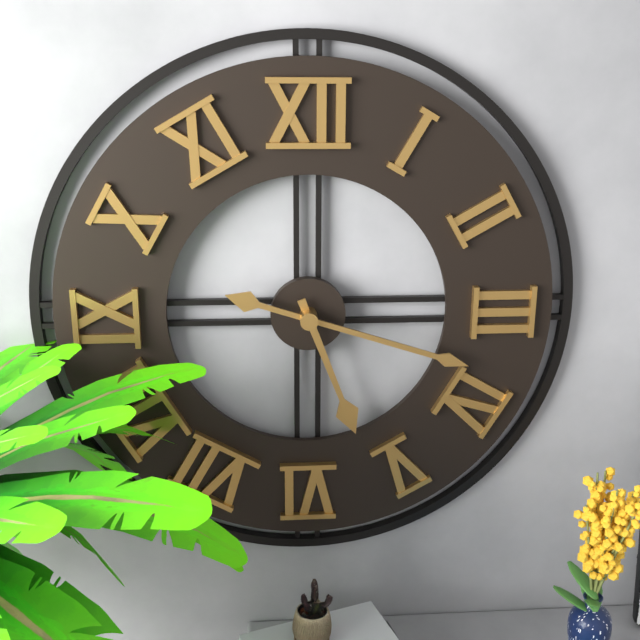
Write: 5:18
